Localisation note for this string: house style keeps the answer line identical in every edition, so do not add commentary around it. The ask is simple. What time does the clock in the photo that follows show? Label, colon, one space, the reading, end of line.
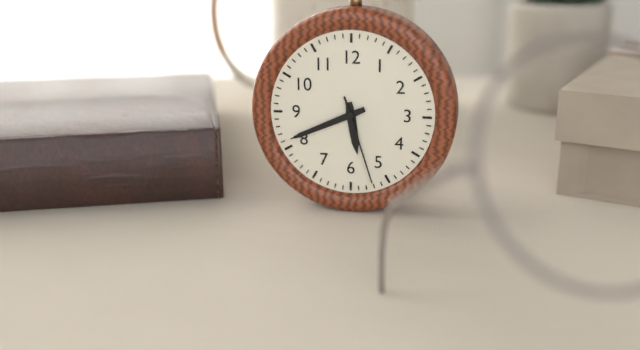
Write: 5:41:27
